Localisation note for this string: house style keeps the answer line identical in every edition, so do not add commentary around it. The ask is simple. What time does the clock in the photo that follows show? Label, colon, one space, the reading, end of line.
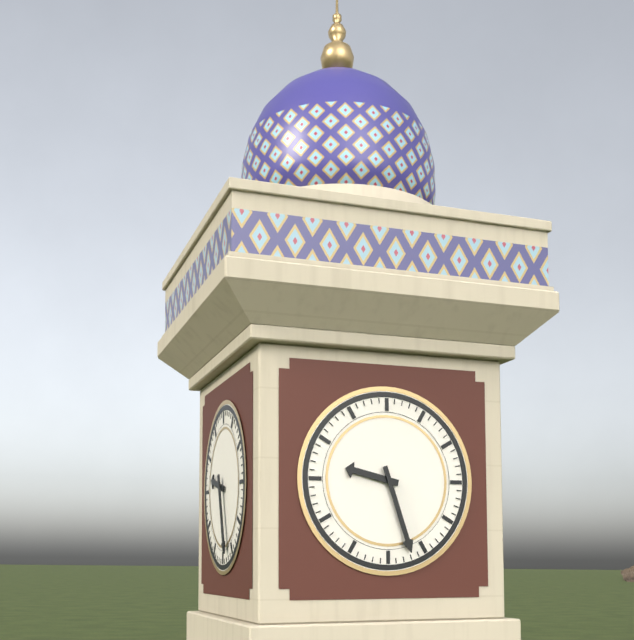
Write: 9:27
